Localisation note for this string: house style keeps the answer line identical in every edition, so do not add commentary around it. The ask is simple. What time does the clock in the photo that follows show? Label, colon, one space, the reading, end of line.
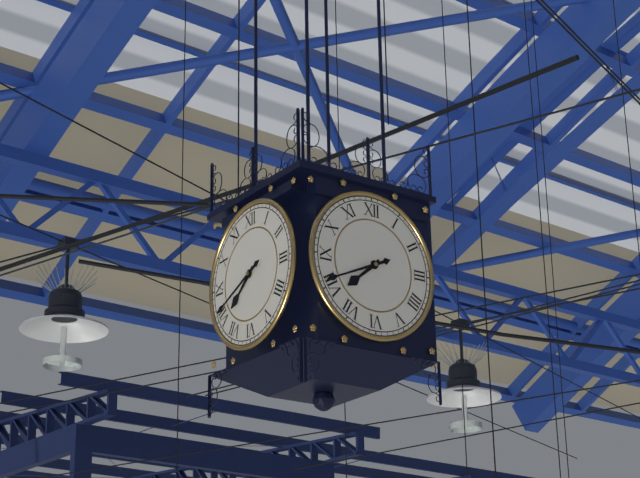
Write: 7:41
